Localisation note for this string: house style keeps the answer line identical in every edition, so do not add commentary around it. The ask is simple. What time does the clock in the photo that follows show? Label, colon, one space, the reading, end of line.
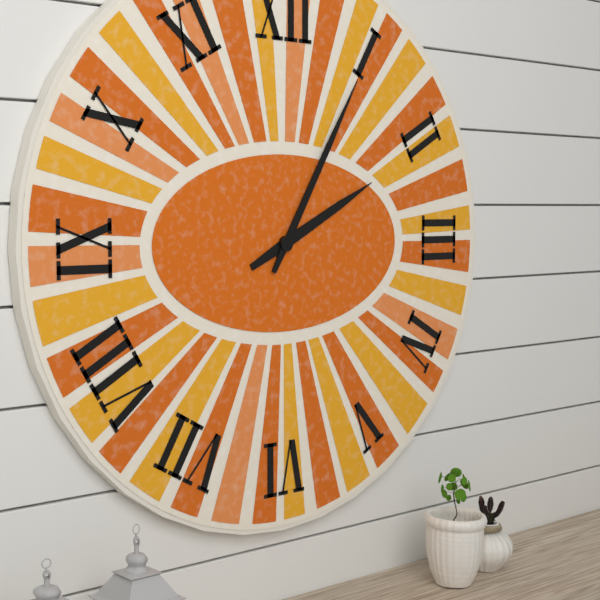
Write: 2:05
